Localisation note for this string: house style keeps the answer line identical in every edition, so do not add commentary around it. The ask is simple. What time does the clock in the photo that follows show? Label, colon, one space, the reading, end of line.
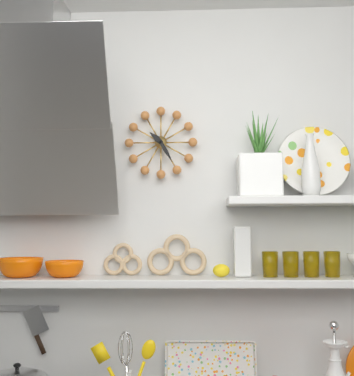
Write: 10:25
